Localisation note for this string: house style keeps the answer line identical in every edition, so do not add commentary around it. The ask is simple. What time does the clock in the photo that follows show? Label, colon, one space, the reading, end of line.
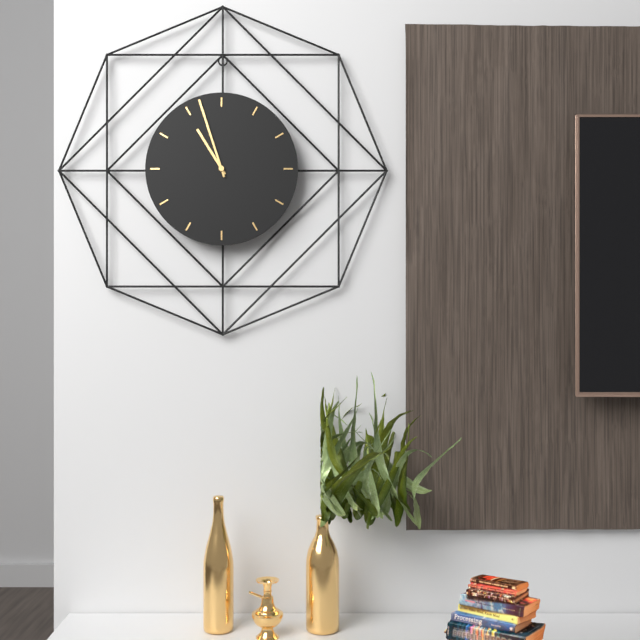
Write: 10:57
